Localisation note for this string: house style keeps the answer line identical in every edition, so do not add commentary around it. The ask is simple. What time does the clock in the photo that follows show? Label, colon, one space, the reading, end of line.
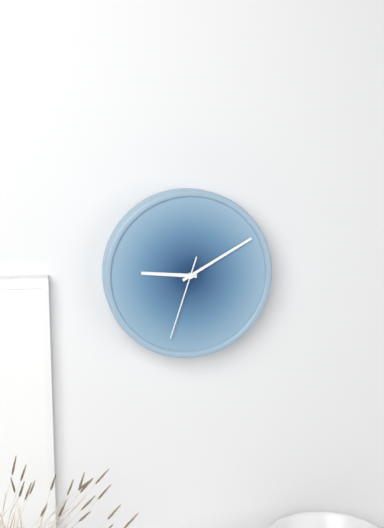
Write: 9:10:33
